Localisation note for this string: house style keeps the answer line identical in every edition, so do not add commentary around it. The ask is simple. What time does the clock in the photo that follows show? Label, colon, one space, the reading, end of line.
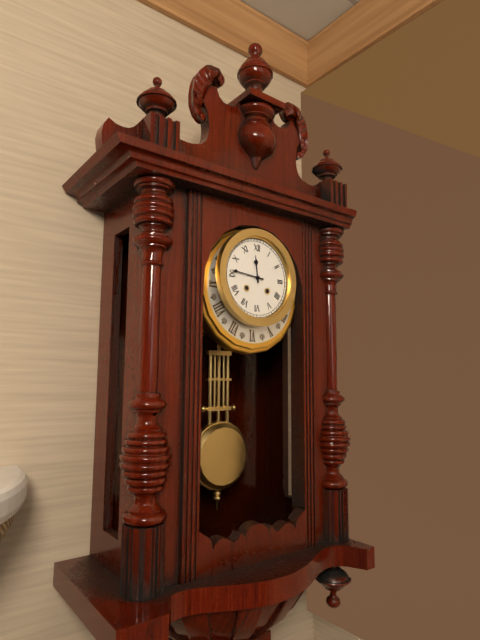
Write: 11:46
